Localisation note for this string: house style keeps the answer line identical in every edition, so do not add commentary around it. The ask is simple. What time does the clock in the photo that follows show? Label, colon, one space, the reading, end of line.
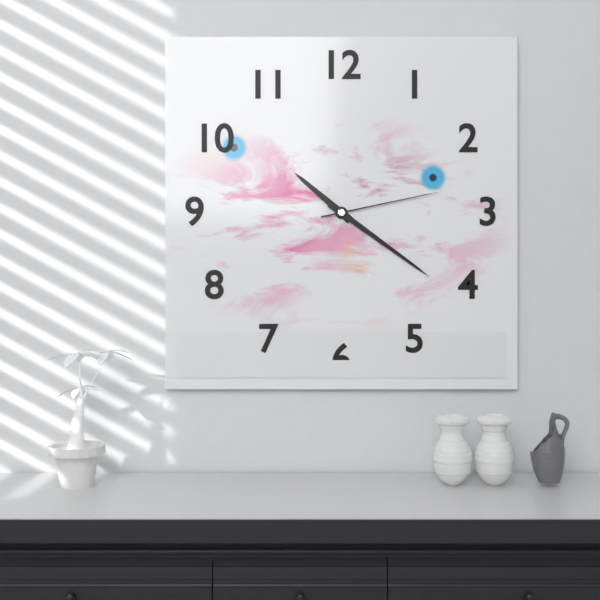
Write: 10:21:13
